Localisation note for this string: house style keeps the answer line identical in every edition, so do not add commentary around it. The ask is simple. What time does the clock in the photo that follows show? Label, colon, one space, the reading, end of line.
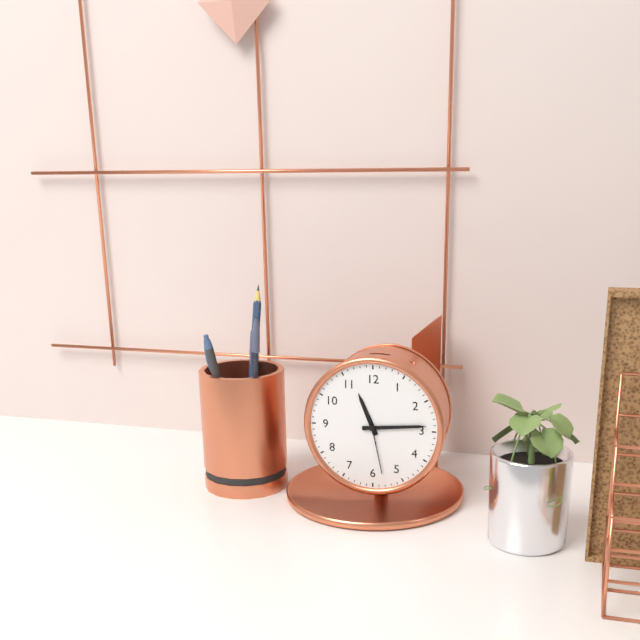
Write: 11:14:28
